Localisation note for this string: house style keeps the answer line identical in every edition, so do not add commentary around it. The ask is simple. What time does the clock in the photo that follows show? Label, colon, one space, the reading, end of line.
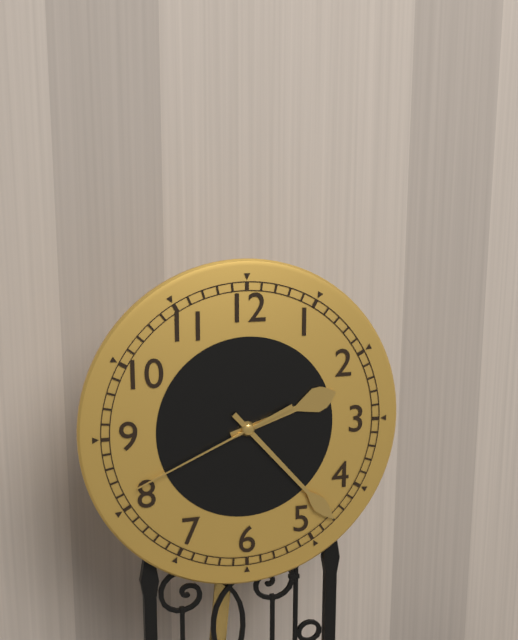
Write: 2:23:41
